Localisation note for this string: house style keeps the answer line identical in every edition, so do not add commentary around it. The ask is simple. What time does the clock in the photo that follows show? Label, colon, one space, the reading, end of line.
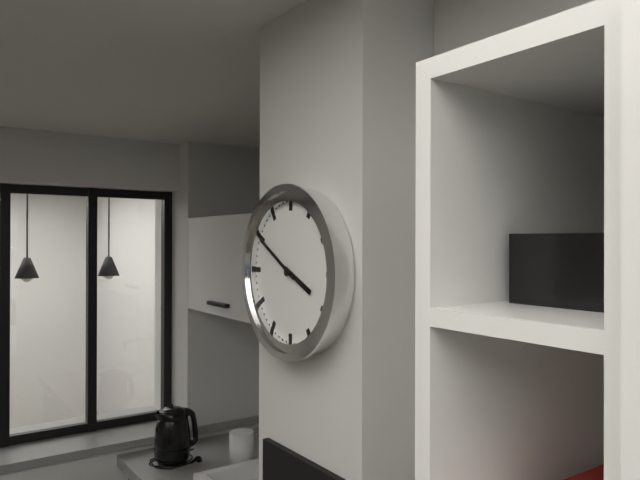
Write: 3:50
